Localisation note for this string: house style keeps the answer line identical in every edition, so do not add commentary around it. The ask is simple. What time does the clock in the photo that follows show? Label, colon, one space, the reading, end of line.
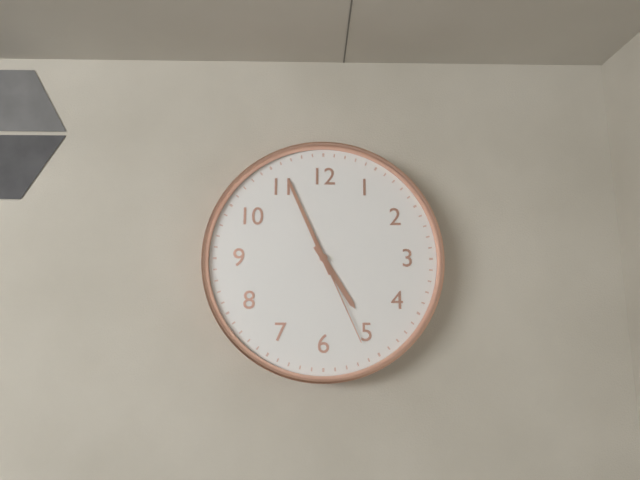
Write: 4:56:26
